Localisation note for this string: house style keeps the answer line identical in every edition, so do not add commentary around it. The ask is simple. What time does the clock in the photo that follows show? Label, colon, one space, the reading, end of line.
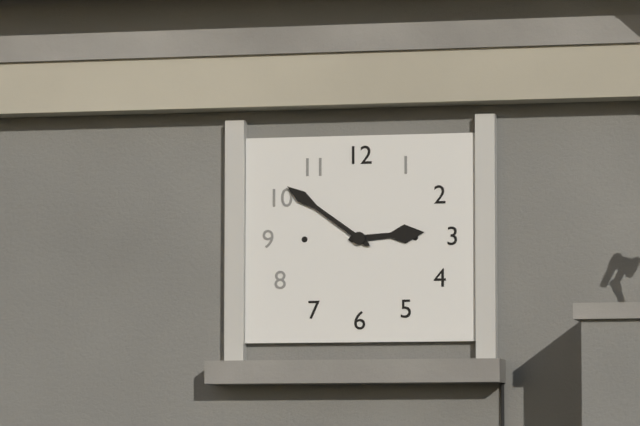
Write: 2:51
